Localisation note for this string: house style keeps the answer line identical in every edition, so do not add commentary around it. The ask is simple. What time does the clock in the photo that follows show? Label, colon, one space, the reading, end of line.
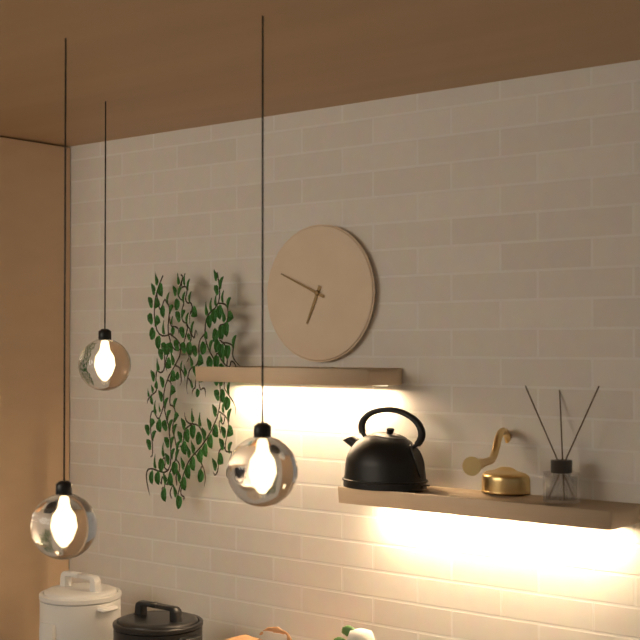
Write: 6:49
